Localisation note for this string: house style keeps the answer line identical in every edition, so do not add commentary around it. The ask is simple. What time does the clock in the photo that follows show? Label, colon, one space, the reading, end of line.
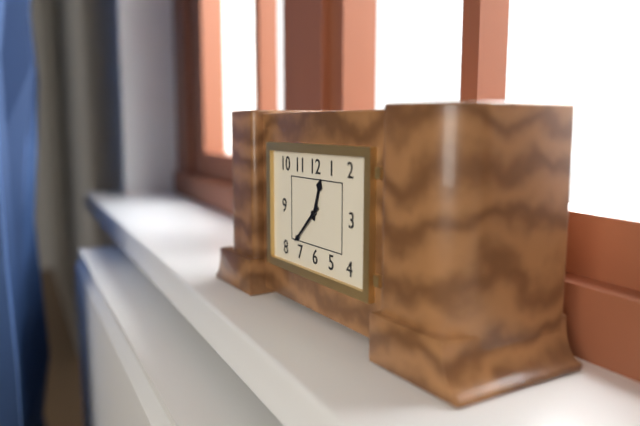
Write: 12:38
